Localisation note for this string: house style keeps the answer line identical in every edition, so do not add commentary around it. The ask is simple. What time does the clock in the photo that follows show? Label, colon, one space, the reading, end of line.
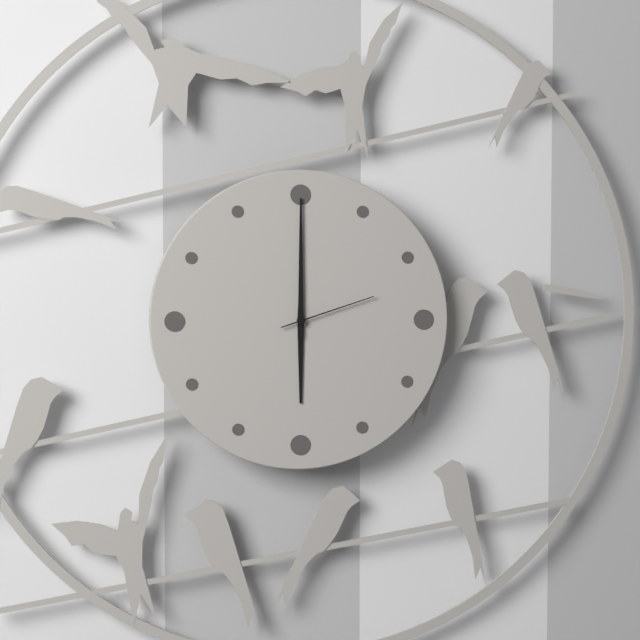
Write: 6:00:12
